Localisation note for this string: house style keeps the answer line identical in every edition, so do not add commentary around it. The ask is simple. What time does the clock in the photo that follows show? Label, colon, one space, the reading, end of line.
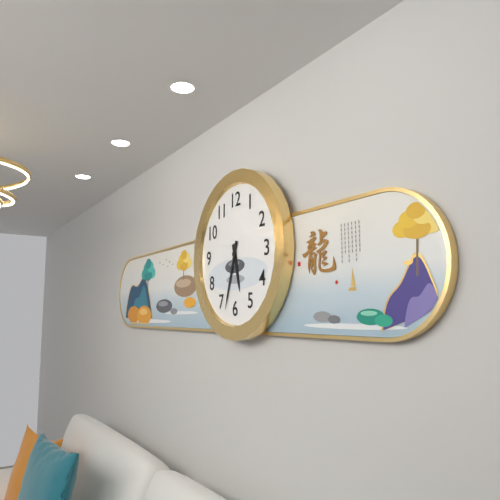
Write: 5:33
